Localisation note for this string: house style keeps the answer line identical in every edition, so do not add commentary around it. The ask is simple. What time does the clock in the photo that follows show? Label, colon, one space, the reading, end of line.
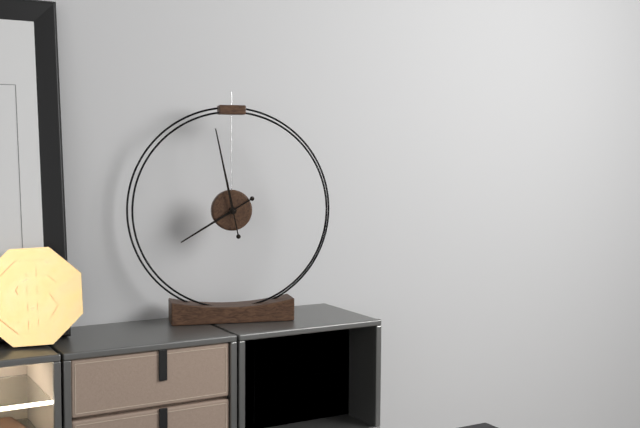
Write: 7:58
